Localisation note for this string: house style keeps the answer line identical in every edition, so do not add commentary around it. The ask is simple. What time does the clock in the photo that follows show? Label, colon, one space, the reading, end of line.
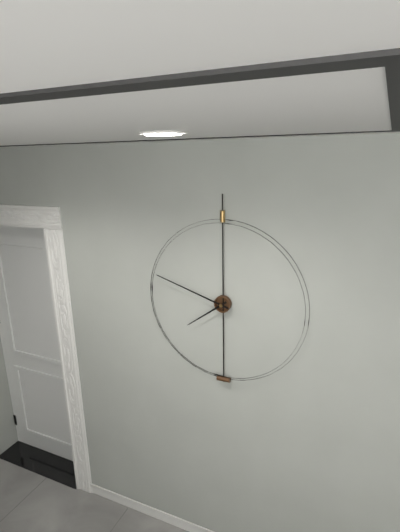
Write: 7:48
